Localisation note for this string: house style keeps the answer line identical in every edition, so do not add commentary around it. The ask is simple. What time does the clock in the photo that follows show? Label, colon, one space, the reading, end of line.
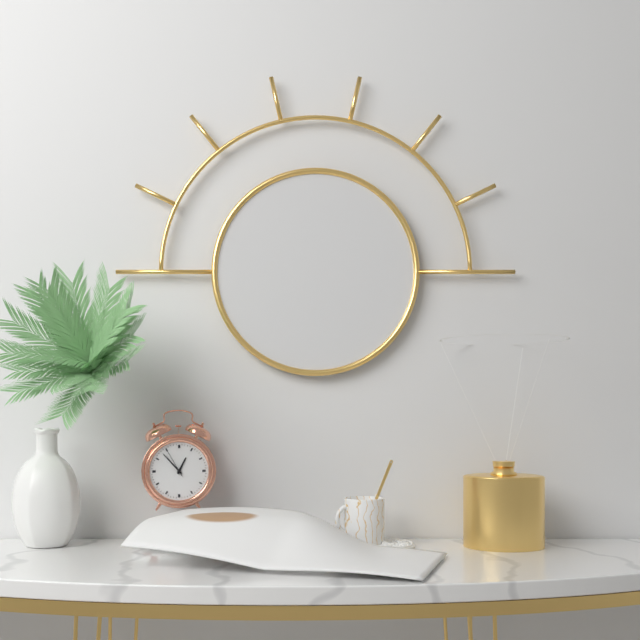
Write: 12:53
